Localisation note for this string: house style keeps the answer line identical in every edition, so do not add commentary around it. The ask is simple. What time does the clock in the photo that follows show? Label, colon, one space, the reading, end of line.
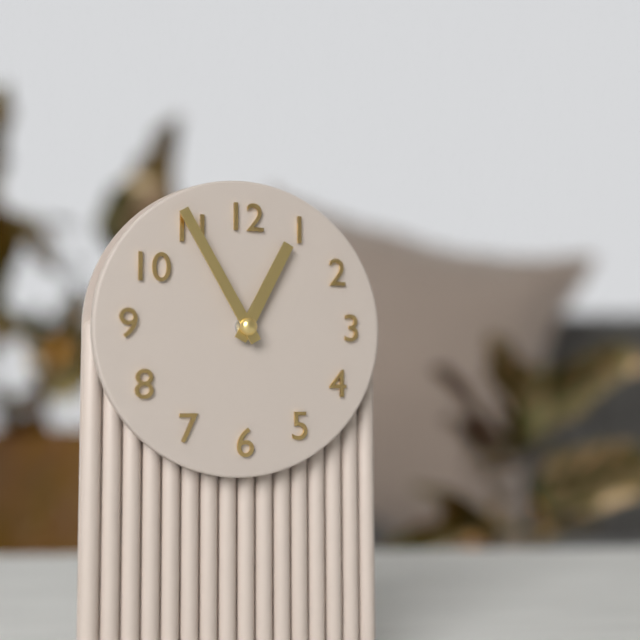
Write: 12:55
